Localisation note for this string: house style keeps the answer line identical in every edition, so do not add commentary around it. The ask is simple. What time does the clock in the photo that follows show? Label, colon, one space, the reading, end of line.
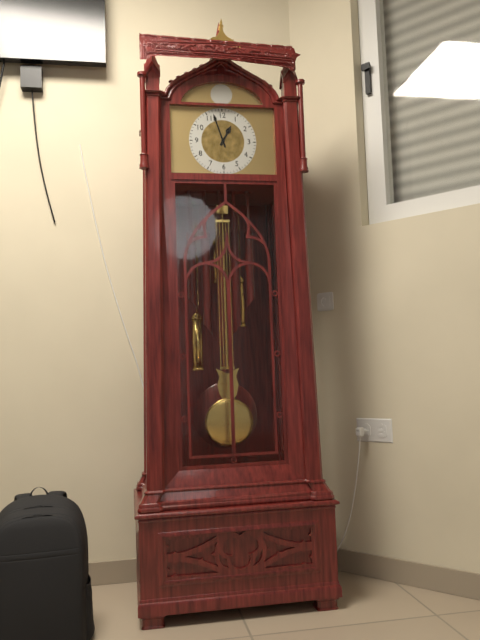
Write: 12:57
